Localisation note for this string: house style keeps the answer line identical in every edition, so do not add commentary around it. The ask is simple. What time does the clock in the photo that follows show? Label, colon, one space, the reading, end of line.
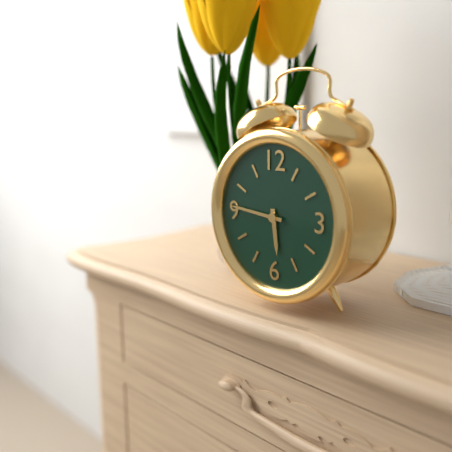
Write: 5:46
